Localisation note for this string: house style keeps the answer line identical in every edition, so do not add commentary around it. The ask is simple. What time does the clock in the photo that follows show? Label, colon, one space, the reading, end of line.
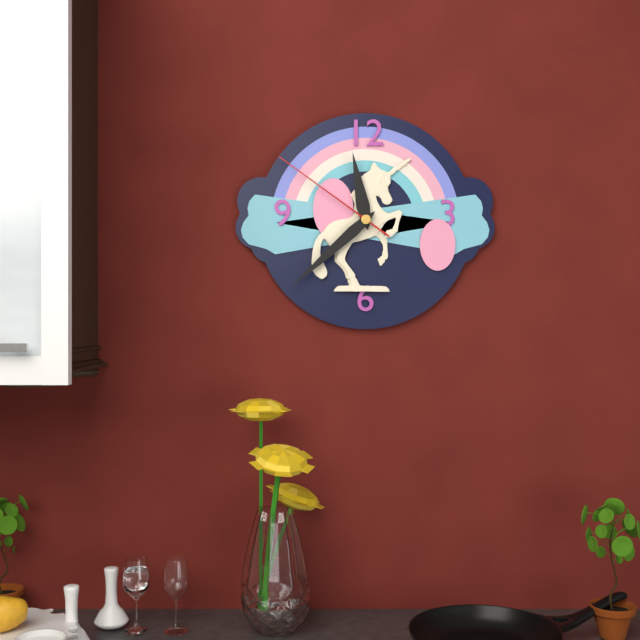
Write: 11:38:51
